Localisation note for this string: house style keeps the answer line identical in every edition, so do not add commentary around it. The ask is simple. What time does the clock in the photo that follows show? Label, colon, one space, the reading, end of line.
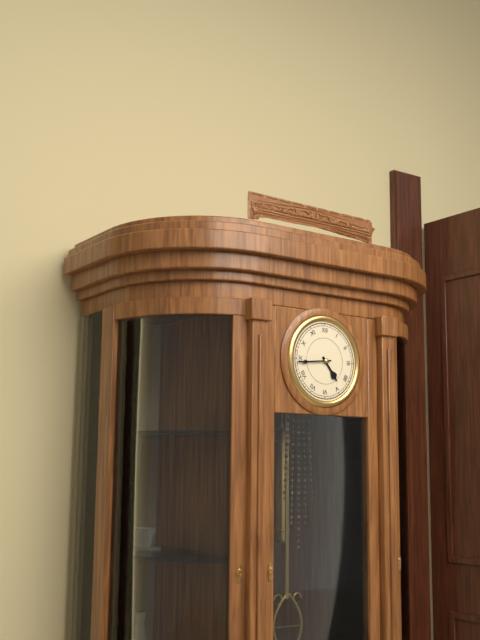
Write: 4:44
